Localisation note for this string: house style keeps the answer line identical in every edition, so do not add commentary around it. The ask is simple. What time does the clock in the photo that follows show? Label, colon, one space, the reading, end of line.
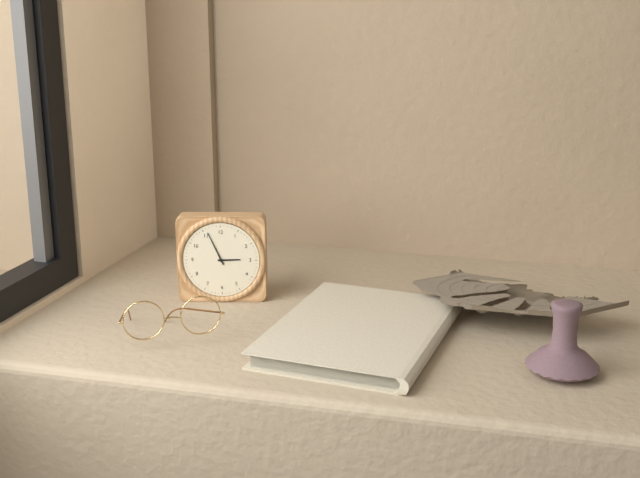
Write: 2:56
